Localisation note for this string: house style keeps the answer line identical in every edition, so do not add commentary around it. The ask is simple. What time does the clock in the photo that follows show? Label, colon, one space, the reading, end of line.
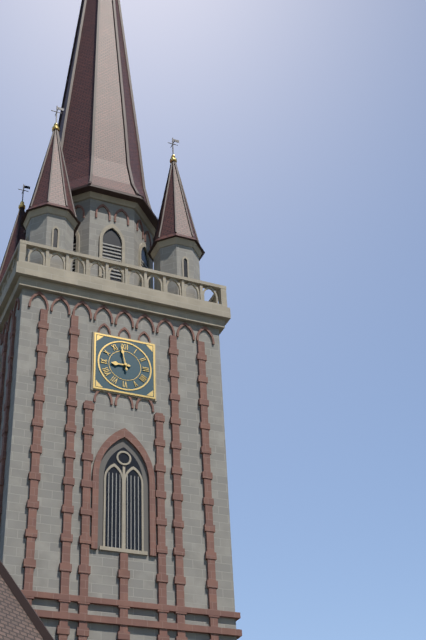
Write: 8:58
